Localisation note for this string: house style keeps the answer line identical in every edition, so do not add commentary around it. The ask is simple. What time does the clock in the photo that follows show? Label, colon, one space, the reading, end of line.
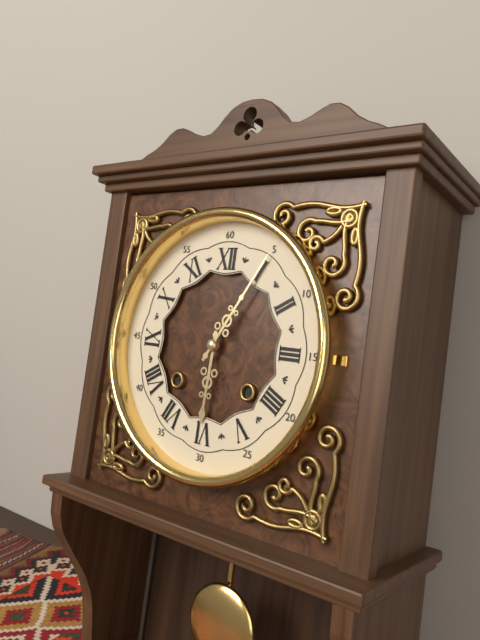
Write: 6:05
